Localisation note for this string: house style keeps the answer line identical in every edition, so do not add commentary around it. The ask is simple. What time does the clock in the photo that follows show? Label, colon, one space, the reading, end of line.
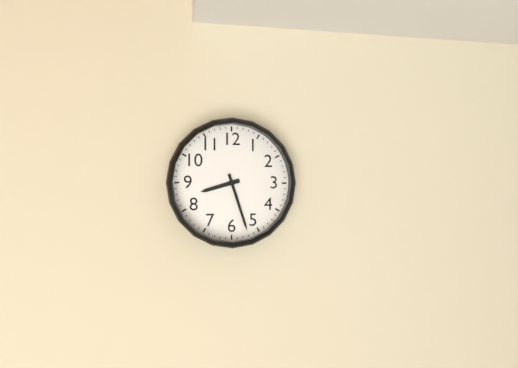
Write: 8:27
